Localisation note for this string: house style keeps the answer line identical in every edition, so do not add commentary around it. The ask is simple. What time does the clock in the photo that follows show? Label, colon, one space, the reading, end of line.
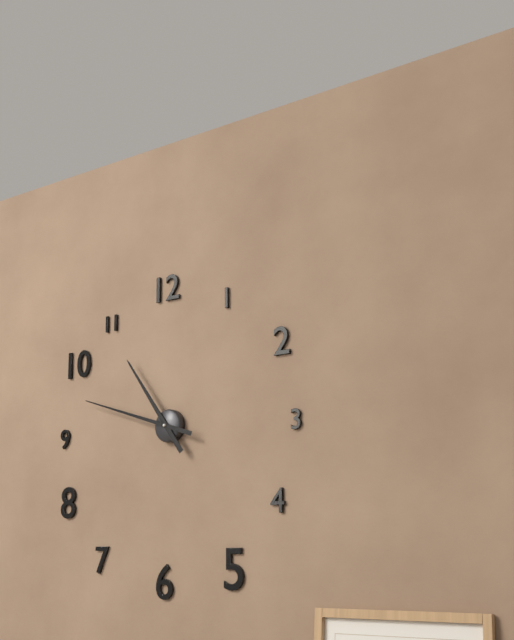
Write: 10:48
